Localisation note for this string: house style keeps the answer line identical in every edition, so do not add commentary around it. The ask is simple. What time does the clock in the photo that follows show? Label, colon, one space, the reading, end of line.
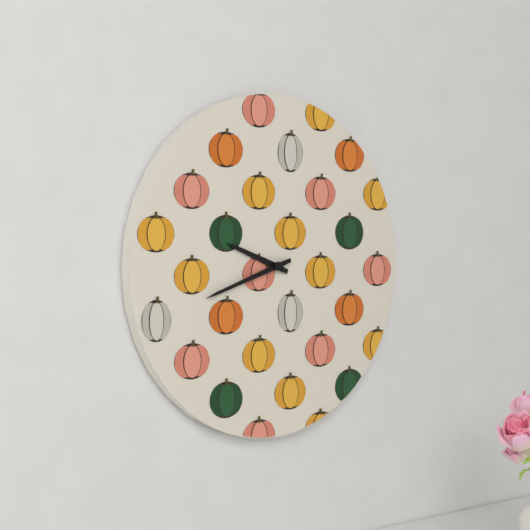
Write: 9:42
